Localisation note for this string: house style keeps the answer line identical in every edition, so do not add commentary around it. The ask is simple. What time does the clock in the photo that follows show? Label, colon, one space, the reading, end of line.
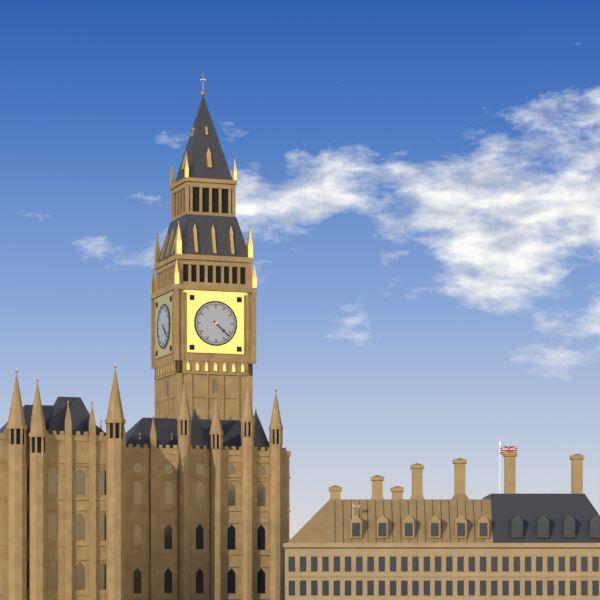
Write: 4:22
